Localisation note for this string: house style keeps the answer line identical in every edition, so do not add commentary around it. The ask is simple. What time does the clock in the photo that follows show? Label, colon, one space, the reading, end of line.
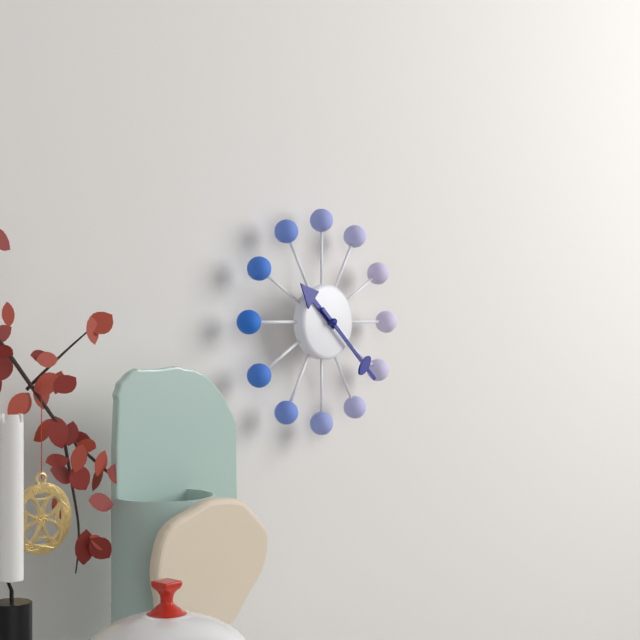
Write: 10:22
